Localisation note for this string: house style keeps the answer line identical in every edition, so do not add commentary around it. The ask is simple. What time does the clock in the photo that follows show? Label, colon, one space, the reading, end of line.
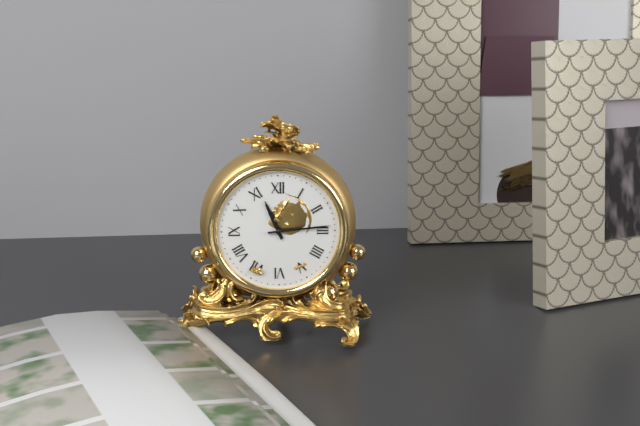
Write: 11:14
